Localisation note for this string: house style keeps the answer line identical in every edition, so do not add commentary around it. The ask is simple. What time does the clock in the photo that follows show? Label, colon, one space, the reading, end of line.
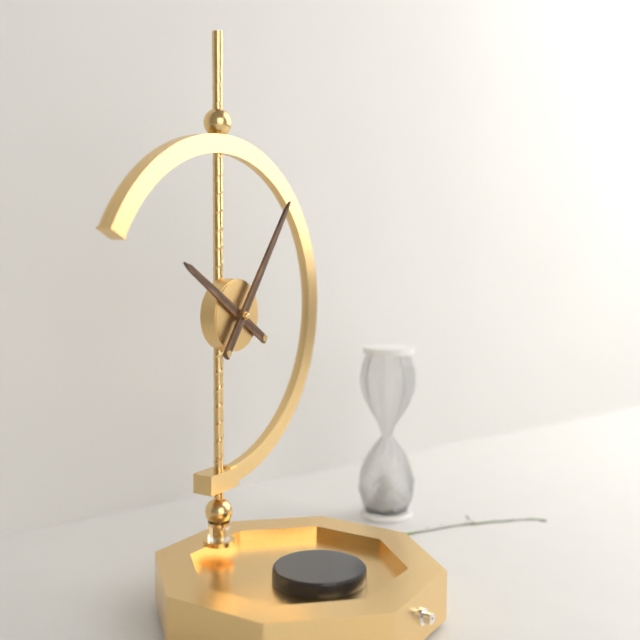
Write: 10:06
